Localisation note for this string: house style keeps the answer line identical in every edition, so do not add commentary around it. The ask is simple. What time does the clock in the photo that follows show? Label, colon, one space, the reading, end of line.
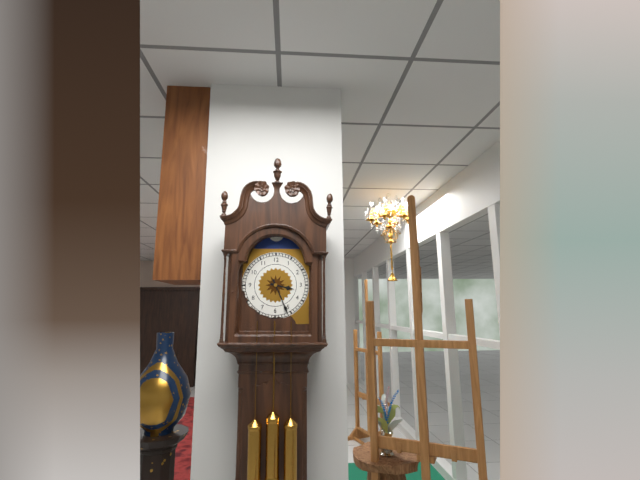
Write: 3:26
